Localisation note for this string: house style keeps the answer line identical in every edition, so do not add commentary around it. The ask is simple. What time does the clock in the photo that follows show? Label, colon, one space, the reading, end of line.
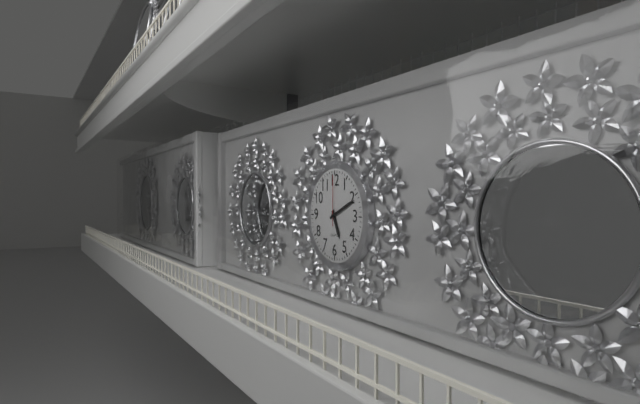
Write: 5:11:00
